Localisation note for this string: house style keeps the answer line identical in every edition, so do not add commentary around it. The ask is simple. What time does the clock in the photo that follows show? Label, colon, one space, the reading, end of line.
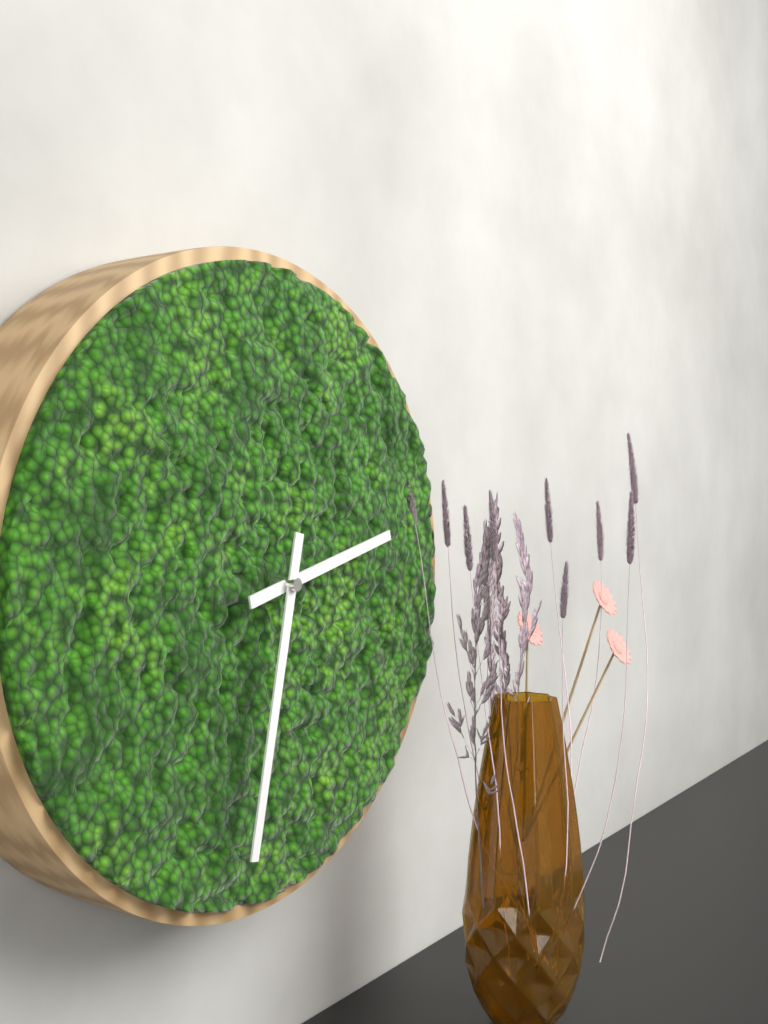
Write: 2:32
